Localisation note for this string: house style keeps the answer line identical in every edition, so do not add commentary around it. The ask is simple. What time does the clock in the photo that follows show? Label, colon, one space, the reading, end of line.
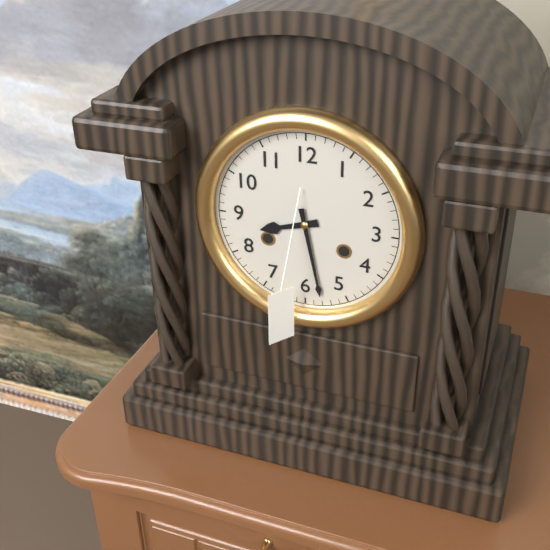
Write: 8:28
